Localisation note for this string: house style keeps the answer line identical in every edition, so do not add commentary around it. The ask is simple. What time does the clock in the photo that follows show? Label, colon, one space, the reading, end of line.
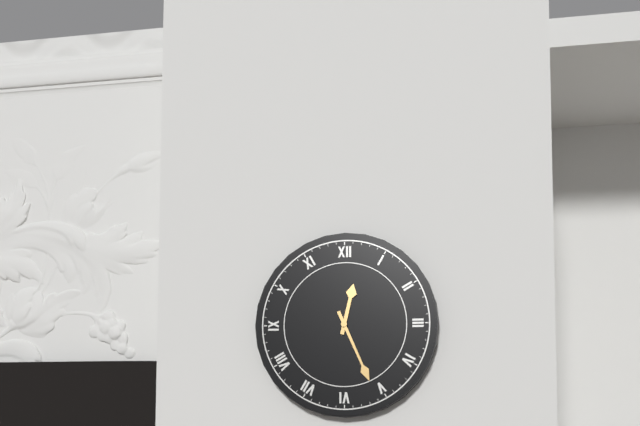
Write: 12:26
